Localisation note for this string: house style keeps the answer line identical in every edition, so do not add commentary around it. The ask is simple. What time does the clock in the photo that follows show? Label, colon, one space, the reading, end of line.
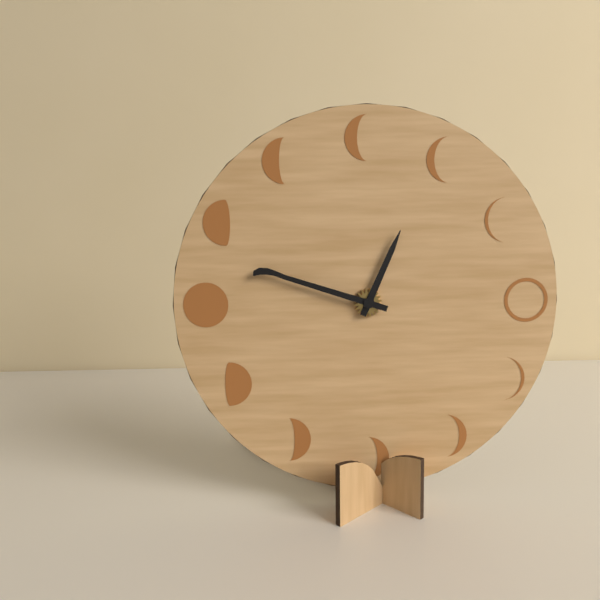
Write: 12:48
